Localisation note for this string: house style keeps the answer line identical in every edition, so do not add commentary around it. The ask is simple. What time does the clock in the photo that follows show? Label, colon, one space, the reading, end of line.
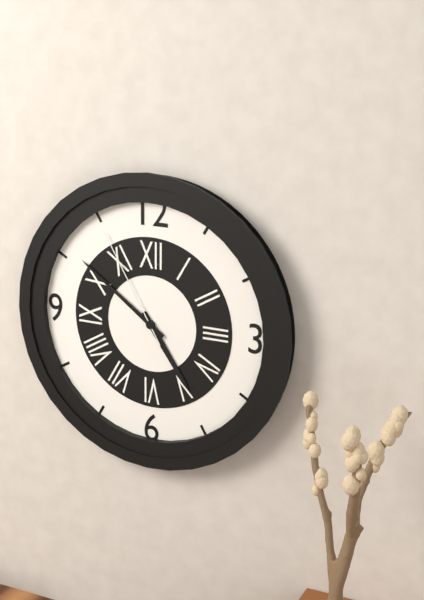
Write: 4:51:55
